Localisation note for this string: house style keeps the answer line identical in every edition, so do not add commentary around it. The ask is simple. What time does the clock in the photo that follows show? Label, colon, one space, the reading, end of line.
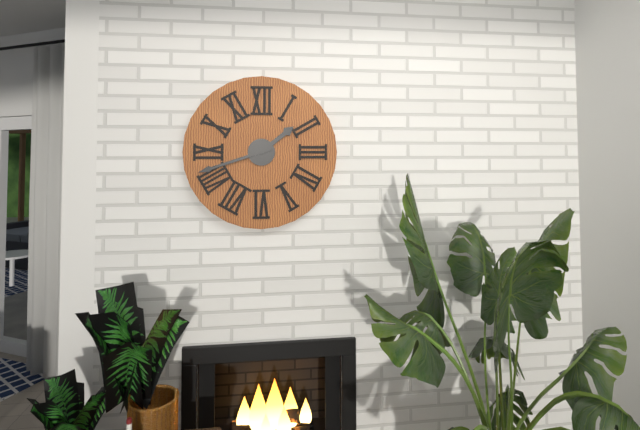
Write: 1:42
